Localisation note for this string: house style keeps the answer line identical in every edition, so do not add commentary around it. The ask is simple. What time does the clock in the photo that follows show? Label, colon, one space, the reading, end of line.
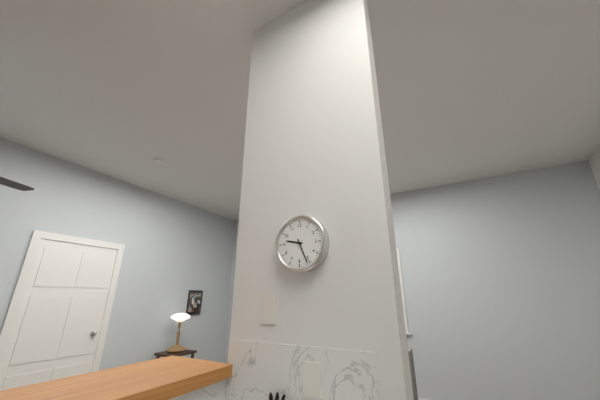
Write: 9:26
